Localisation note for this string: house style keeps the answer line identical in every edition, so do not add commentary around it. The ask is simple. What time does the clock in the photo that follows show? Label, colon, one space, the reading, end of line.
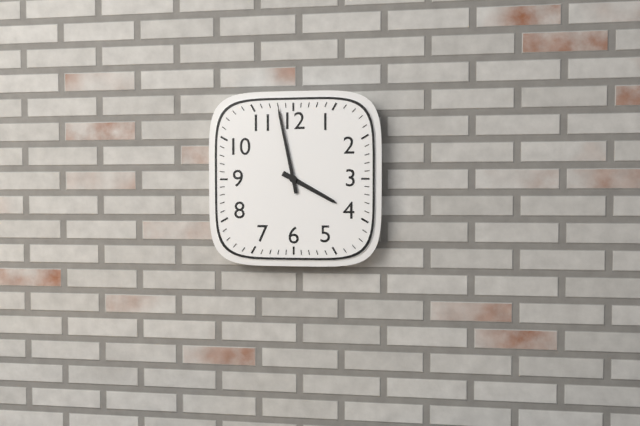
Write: 3:58
